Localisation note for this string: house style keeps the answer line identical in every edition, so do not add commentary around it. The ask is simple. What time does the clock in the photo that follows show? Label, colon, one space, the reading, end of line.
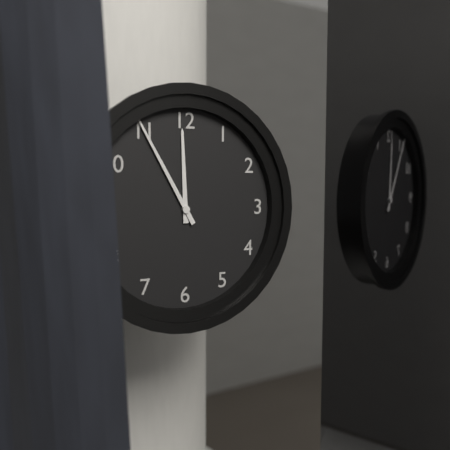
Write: 11:55
